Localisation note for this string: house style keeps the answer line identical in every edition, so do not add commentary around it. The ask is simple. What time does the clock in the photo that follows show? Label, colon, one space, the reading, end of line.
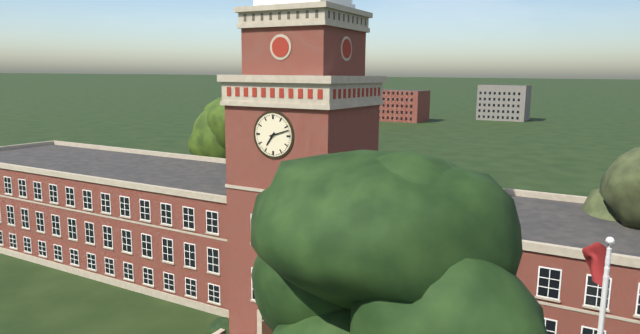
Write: 7:12
